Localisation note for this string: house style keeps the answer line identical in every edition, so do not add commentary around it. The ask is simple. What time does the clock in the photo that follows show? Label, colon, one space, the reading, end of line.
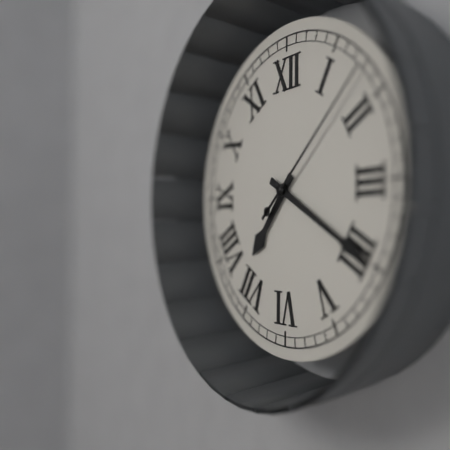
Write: 7:20:08
